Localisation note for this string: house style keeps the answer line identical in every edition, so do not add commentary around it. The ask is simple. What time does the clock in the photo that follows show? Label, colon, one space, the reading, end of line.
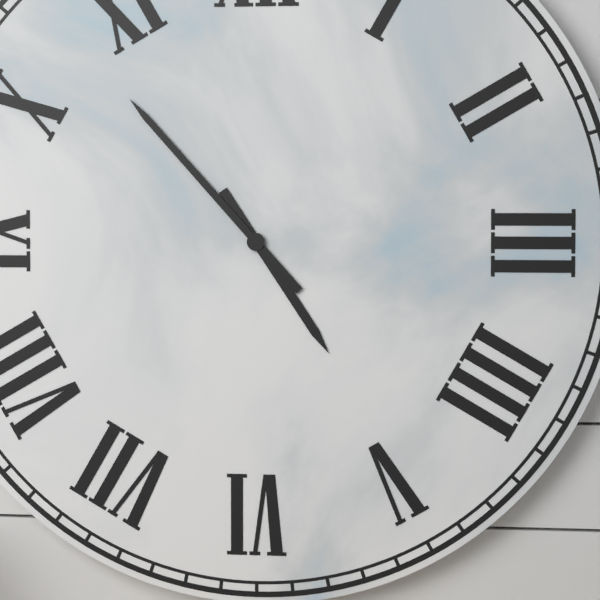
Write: 4:53
